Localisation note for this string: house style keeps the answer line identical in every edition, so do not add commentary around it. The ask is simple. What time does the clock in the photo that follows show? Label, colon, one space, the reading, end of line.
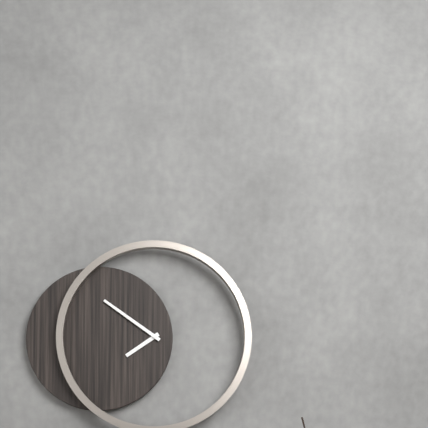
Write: 7:51
